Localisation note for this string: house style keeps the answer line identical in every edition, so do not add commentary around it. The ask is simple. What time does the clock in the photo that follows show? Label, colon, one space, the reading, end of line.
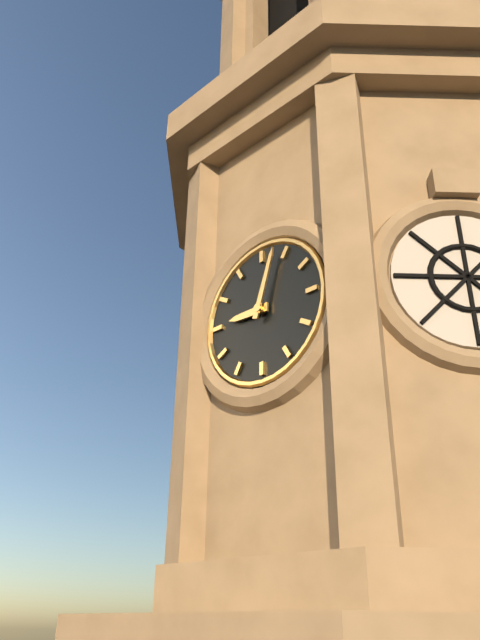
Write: 9:03
